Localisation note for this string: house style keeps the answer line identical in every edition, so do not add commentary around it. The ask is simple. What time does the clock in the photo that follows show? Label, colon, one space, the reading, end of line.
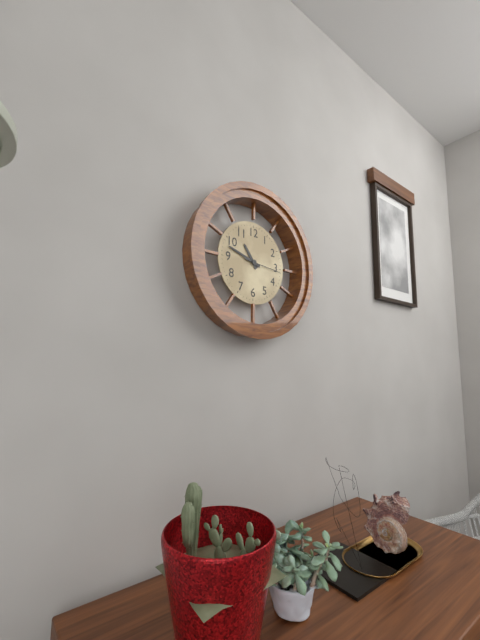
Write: 10:48
